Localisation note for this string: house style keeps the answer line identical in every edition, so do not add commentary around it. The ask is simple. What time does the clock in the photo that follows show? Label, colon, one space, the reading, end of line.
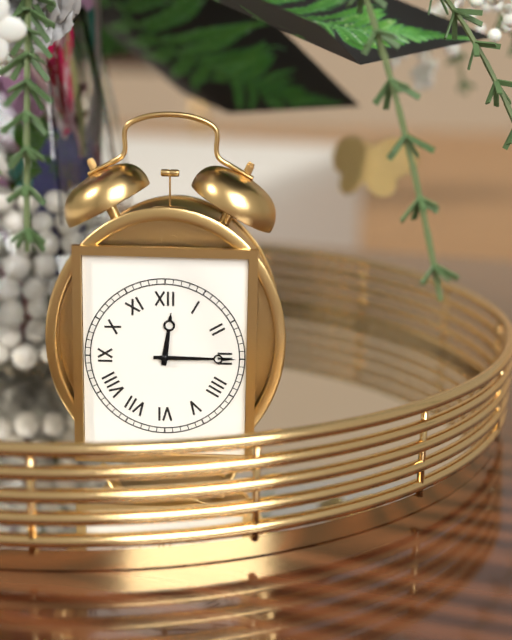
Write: 12:15
